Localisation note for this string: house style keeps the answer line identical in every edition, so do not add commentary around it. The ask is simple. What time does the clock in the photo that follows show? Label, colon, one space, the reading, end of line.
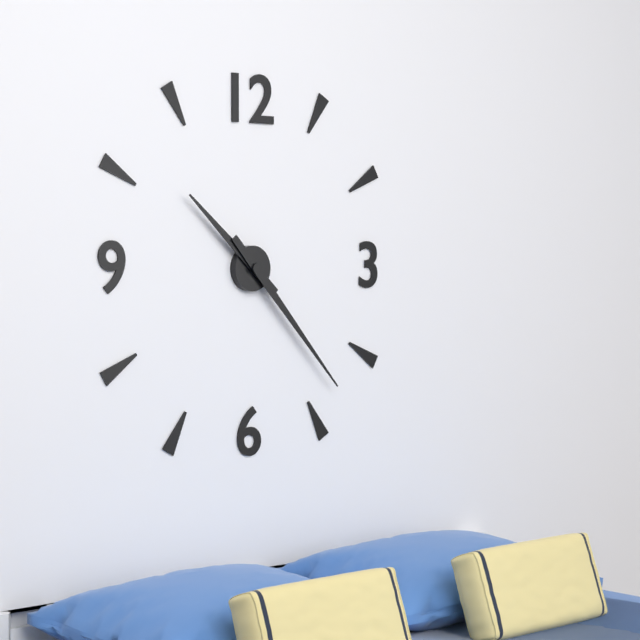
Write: 10:23
